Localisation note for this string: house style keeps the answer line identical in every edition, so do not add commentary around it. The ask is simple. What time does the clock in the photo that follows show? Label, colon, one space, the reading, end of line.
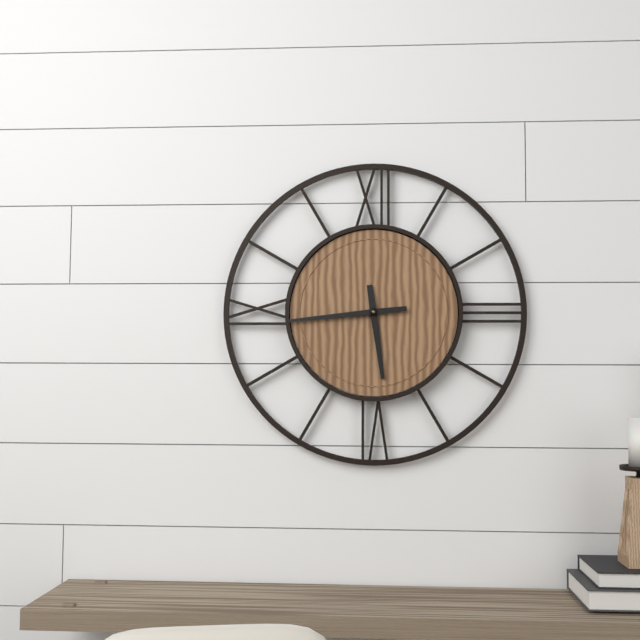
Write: 5:44
